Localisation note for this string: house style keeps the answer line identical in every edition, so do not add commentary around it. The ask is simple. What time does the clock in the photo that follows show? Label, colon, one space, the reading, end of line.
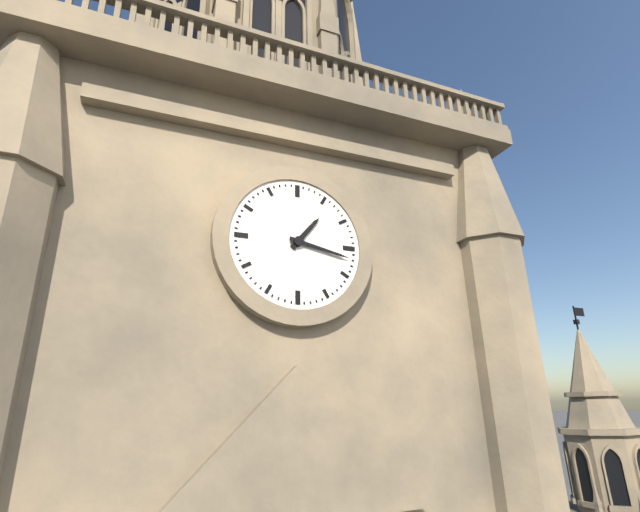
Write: 1:17
